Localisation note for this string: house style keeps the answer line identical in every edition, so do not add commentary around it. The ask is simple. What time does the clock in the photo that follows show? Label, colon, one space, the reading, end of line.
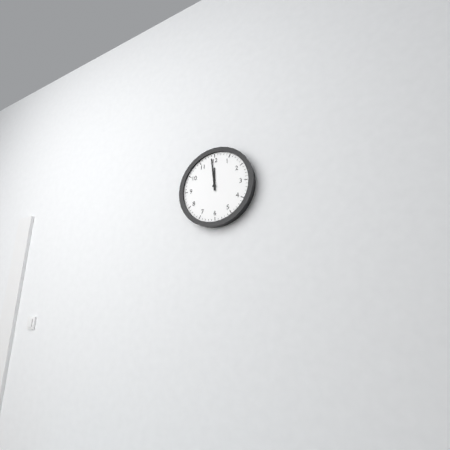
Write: 11:59
